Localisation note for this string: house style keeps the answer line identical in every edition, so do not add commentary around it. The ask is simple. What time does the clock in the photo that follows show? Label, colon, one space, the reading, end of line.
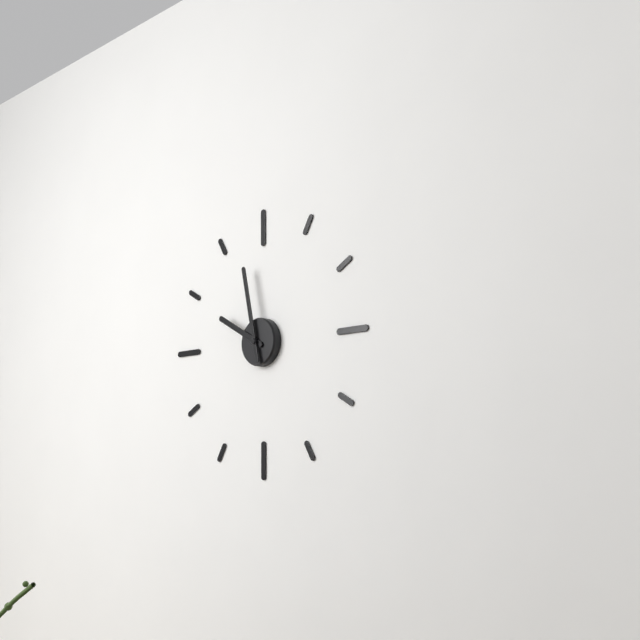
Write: 9:58
